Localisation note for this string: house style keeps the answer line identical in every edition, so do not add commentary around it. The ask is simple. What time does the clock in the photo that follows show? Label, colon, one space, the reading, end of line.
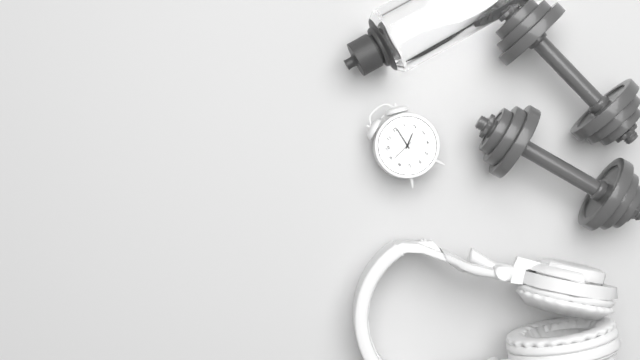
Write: 2:01
